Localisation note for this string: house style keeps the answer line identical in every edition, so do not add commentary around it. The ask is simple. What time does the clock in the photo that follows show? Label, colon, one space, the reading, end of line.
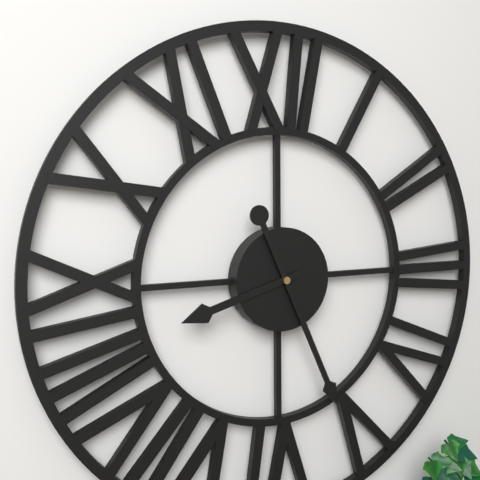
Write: 8:26
